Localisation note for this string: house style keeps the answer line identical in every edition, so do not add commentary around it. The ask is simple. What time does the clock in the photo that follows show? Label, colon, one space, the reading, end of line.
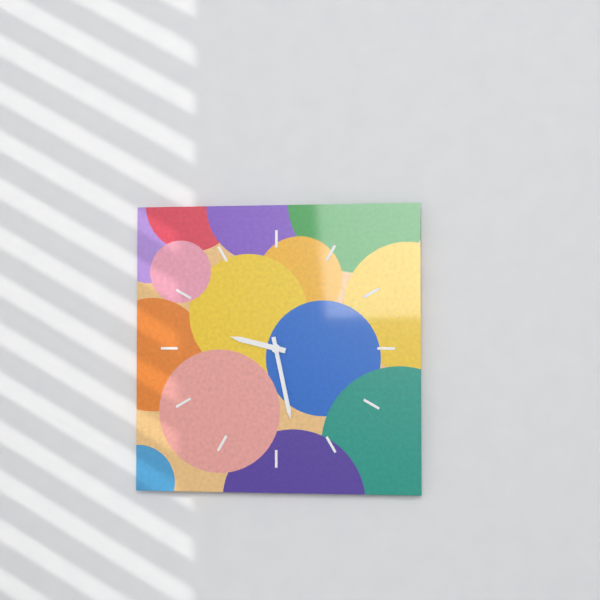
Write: 9:28
